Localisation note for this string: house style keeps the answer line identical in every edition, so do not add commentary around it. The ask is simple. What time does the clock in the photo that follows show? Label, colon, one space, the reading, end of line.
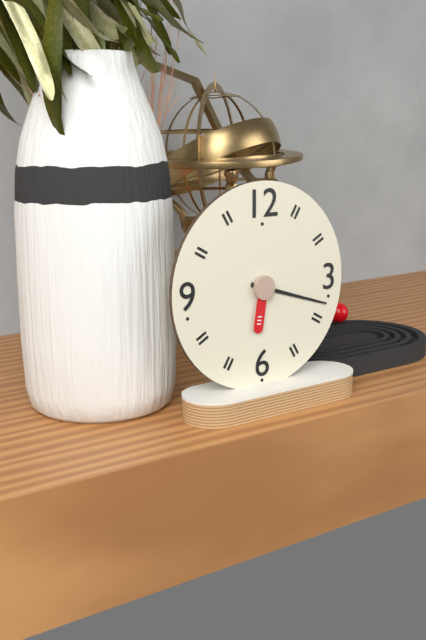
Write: 6:18
